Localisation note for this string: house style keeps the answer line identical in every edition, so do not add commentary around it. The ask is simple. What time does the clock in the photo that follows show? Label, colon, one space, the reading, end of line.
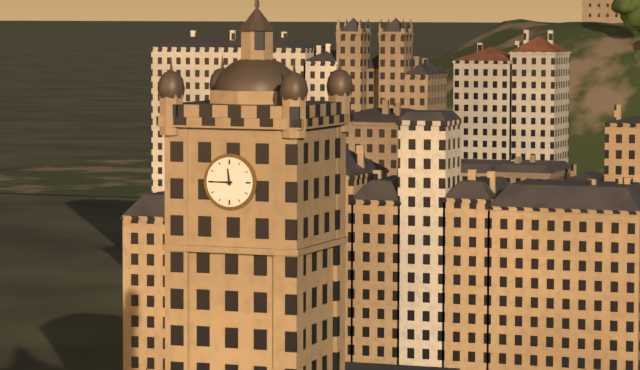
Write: 11:45
